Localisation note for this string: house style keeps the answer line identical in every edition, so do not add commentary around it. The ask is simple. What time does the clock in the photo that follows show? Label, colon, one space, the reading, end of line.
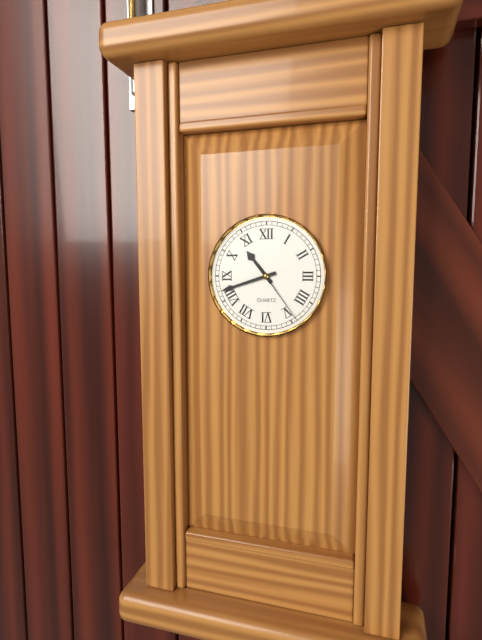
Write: 10:42:24
